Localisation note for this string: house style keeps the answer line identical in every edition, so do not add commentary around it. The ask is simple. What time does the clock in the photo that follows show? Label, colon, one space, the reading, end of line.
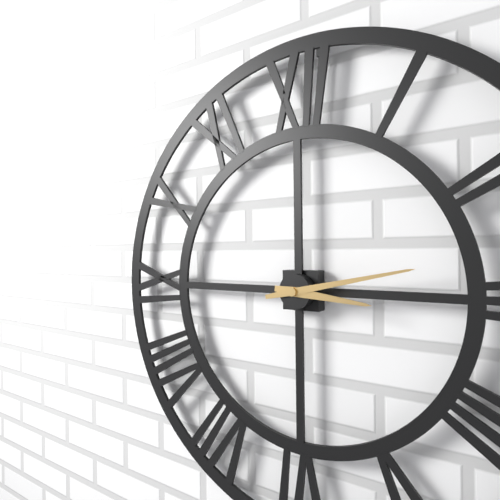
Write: 3:13
